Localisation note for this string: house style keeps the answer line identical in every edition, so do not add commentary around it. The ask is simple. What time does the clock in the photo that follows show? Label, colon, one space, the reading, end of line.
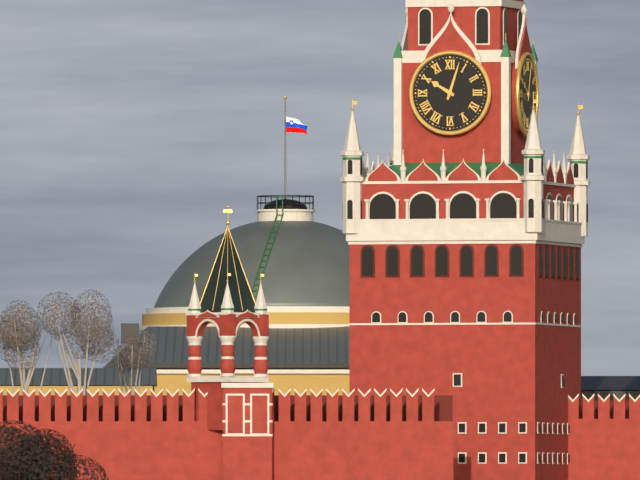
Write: 10:03
